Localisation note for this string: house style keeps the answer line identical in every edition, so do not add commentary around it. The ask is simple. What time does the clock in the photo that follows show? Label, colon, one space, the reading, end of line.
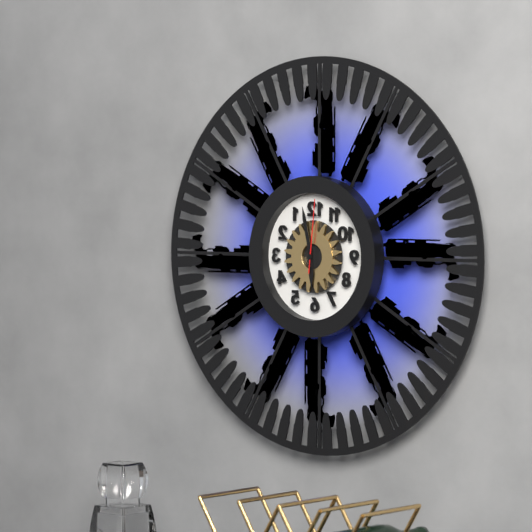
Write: 5:58:01
